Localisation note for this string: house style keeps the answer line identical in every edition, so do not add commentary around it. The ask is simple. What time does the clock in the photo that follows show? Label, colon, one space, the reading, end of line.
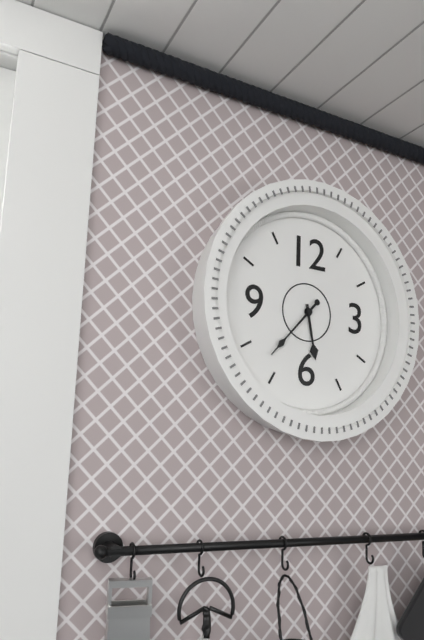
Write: 5:37
